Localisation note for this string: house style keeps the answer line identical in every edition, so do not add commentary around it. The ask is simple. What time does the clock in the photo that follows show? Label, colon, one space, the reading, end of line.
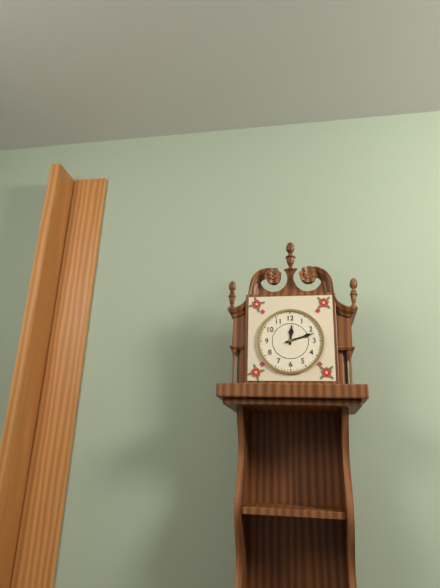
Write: 12:12
